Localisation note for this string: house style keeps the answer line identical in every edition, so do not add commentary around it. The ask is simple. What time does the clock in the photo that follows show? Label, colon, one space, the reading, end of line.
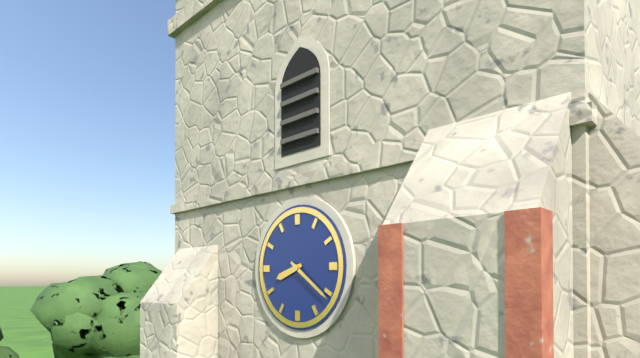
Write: 8:21
